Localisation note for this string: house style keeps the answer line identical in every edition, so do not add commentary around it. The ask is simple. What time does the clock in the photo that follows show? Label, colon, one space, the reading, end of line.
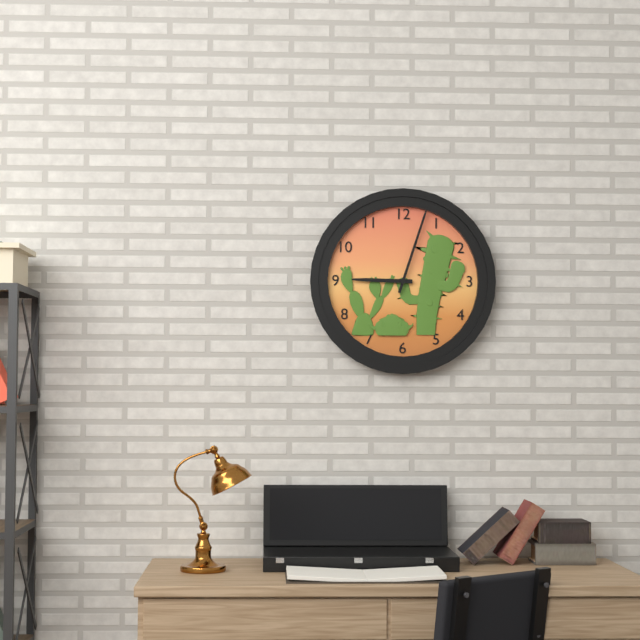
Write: 9:03
